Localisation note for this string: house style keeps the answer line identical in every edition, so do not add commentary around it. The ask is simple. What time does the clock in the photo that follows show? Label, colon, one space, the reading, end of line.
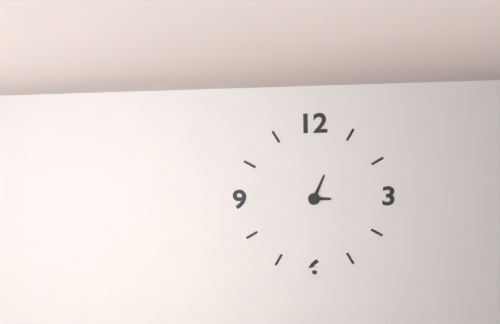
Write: 3:04
